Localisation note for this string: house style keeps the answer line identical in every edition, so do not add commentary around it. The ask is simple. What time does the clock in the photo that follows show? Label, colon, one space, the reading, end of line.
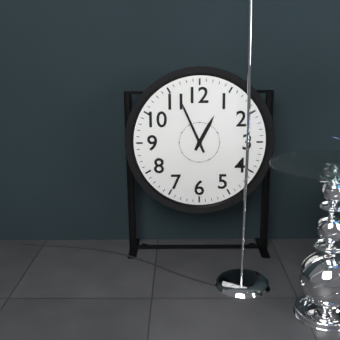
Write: 12:56
